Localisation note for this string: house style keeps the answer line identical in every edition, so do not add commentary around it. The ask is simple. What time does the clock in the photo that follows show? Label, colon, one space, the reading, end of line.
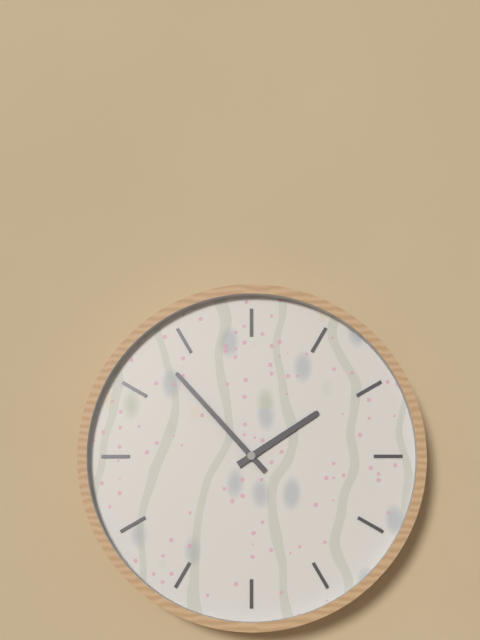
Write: 1:53
